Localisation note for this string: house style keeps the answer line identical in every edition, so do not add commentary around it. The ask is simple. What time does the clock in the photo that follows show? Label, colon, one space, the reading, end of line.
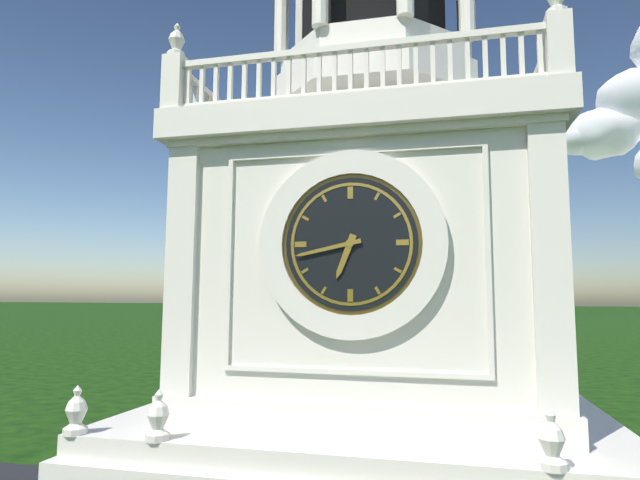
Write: 6:43
